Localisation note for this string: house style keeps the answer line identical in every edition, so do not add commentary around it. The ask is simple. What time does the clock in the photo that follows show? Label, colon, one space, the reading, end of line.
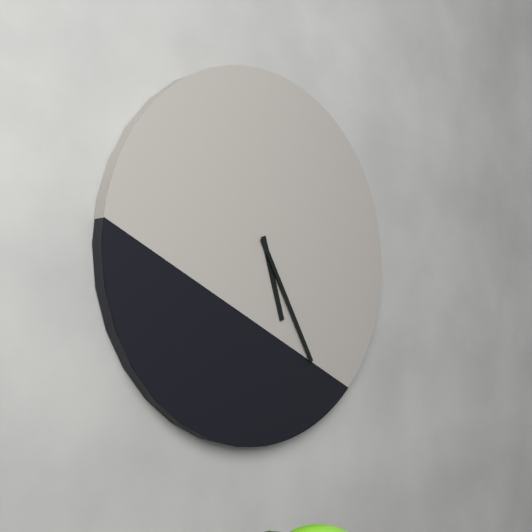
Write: 5:25
